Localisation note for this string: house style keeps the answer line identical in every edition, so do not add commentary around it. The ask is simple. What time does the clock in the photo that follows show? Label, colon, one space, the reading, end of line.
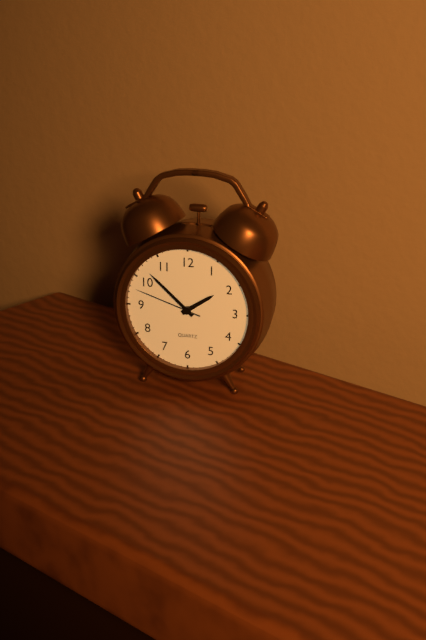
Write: 1:52:48
